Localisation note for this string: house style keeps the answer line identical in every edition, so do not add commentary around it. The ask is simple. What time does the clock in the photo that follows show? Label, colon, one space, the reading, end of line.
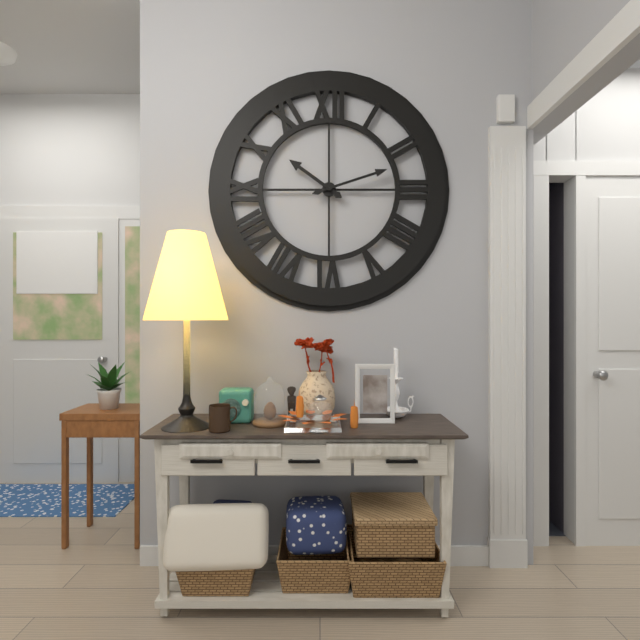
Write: 10:12
